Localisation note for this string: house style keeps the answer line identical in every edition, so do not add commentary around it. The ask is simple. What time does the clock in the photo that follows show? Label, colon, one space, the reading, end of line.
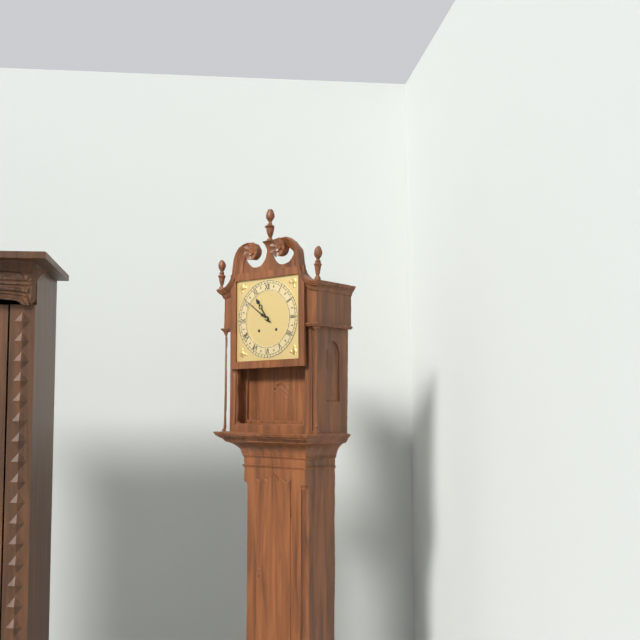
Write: 10:51
